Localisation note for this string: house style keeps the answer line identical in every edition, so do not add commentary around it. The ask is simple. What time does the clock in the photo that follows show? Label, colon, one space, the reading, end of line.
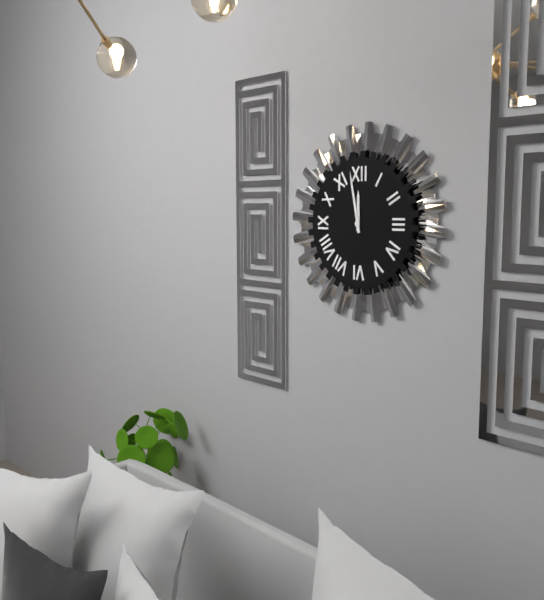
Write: 11:58
